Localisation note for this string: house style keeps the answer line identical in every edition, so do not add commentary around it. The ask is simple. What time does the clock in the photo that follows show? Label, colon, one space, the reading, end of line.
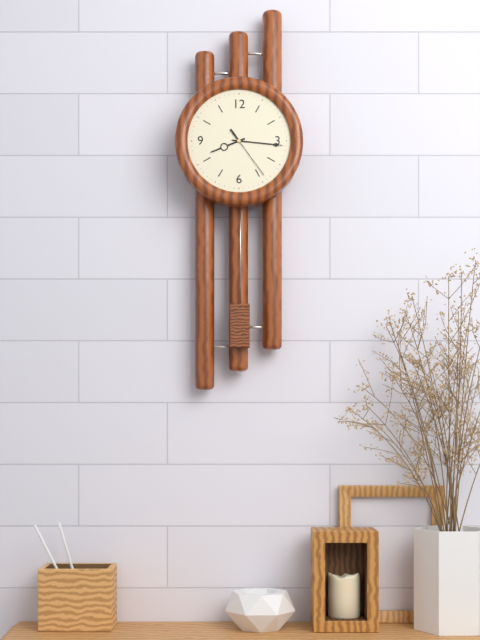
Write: 8:16:24
